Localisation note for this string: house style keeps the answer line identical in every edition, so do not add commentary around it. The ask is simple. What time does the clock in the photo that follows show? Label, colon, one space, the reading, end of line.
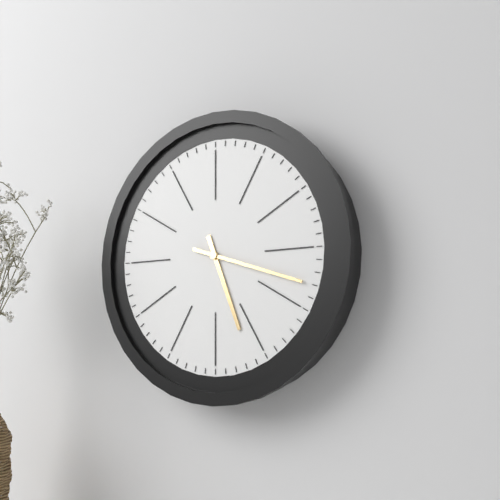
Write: 5:18
